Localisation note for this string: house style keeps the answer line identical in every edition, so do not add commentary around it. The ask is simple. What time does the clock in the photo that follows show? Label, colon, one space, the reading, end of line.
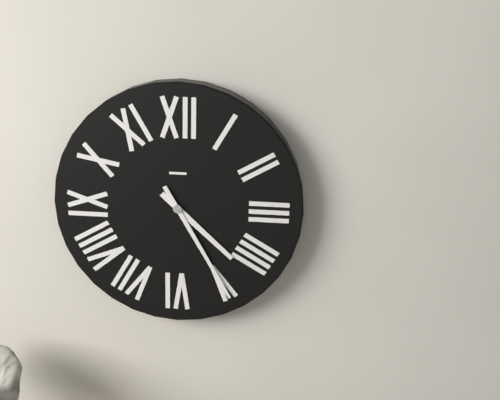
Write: 4:25
